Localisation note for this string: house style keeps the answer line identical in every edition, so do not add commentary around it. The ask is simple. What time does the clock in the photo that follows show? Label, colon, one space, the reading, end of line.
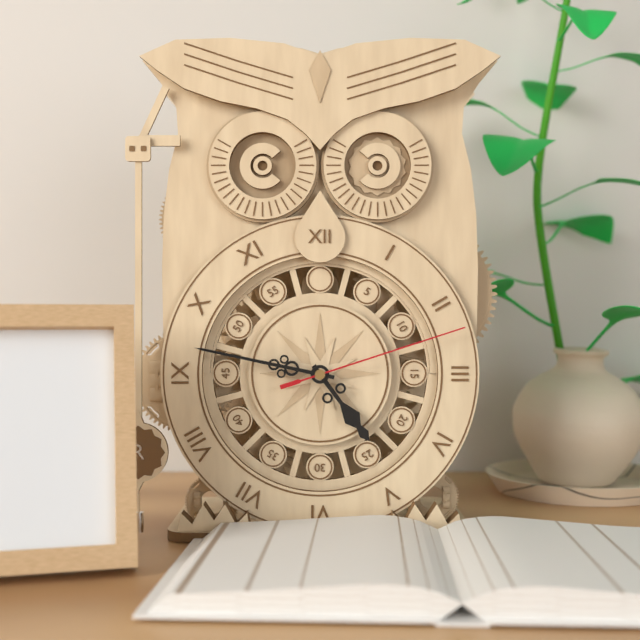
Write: 4:47:12
